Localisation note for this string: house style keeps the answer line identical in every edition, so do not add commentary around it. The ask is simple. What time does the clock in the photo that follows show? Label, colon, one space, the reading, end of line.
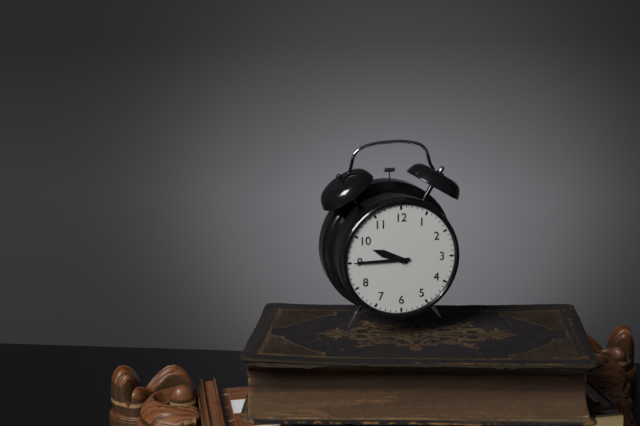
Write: 9:45
